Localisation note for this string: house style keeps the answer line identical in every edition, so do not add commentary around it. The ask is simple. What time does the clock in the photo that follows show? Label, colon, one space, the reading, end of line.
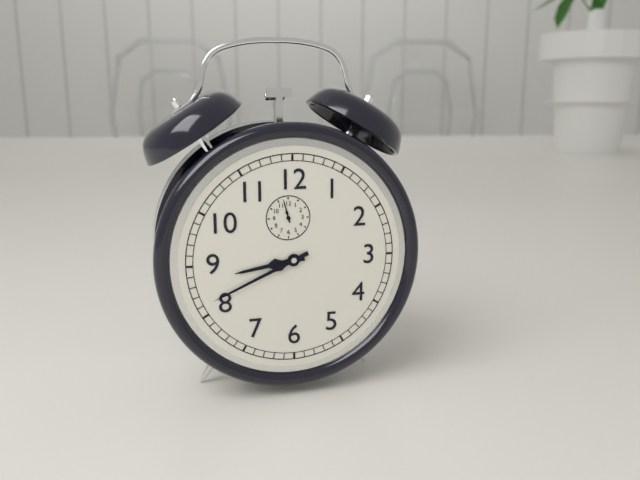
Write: 8:41
